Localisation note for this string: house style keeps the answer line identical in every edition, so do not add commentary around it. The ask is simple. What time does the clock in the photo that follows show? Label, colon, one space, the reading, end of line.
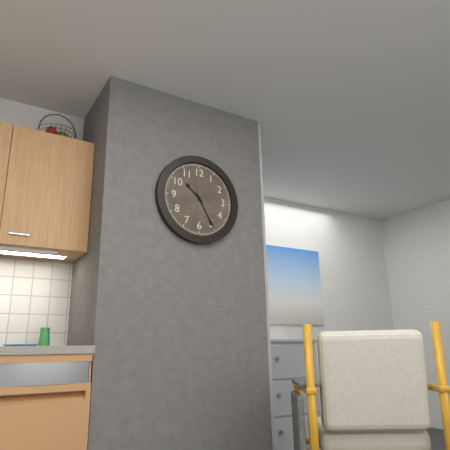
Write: 10:25
